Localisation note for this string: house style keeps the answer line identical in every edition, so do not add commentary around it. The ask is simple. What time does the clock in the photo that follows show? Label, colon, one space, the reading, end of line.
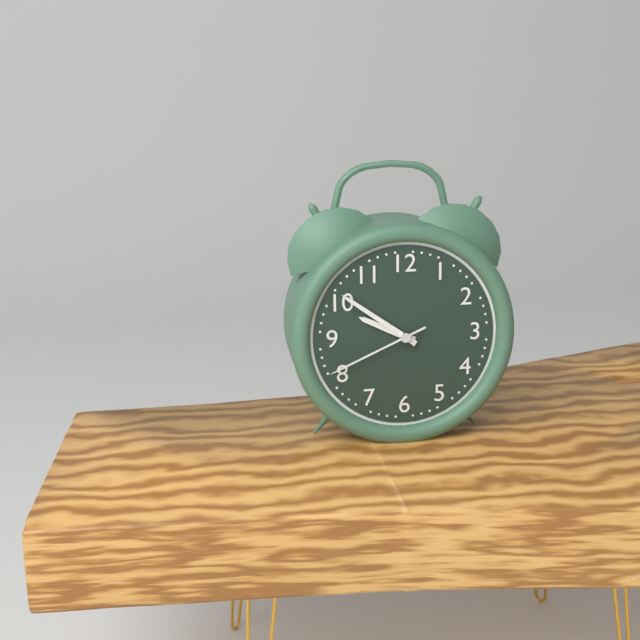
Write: 9:51:41
